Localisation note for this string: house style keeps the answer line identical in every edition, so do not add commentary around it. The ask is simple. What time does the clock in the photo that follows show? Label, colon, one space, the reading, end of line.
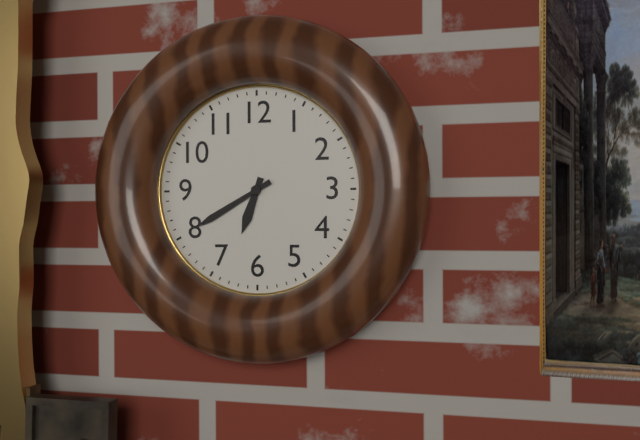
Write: 6:40
